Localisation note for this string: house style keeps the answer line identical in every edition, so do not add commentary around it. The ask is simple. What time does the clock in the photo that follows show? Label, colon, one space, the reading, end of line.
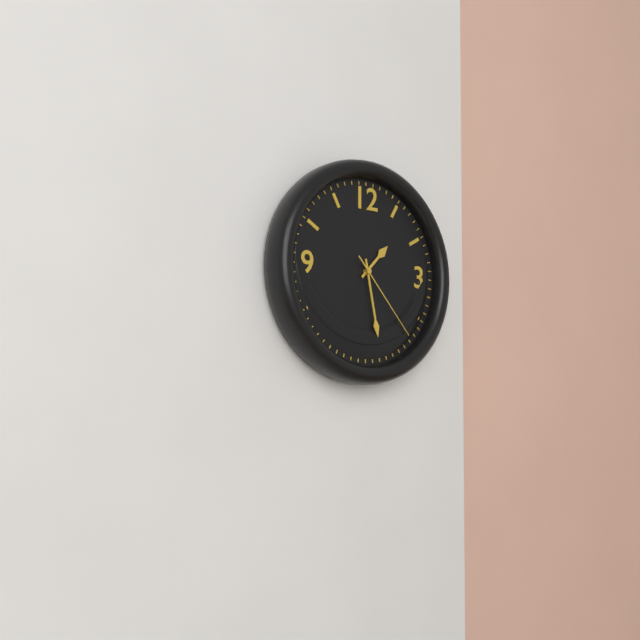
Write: 1:28:23
